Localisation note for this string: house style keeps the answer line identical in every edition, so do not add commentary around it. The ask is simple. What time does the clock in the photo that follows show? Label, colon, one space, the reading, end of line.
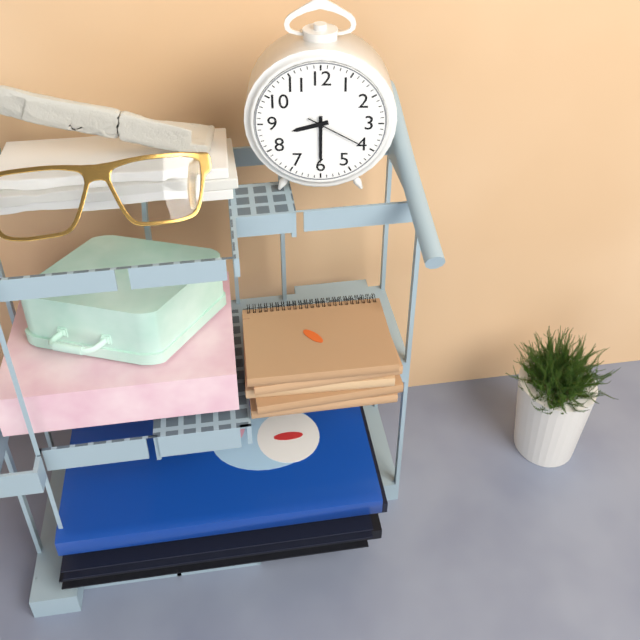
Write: 8:30:20
